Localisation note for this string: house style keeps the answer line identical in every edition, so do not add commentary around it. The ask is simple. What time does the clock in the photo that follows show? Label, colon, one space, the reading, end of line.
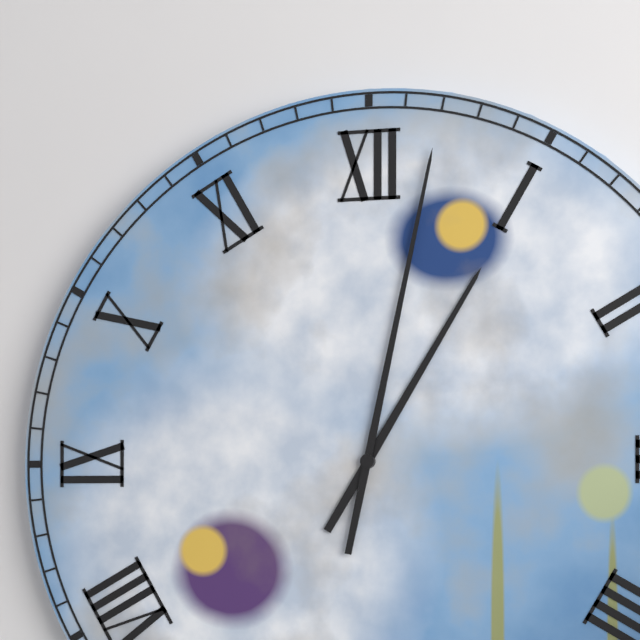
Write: 1:02
